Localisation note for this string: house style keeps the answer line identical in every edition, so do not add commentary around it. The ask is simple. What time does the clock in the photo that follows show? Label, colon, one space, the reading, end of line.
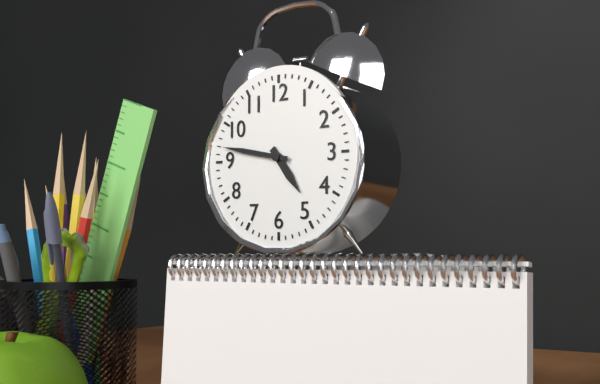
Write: 4:47
